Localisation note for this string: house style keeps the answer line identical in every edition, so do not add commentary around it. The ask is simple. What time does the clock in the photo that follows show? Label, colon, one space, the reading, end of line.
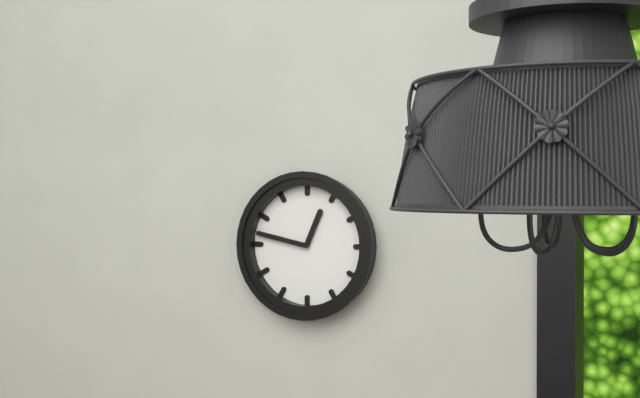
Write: 12:47
